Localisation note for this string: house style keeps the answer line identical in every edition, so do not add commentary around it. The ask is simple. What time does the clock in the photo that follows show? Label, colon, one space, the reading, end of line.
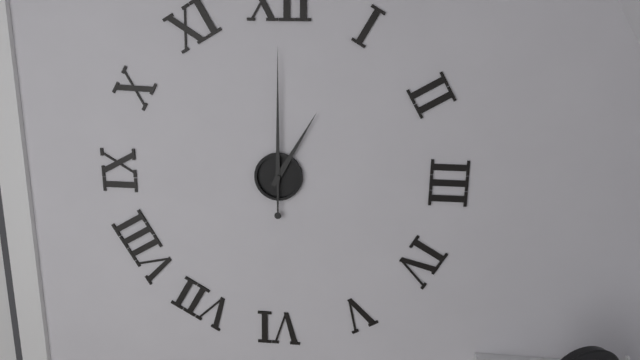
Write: 1:00
